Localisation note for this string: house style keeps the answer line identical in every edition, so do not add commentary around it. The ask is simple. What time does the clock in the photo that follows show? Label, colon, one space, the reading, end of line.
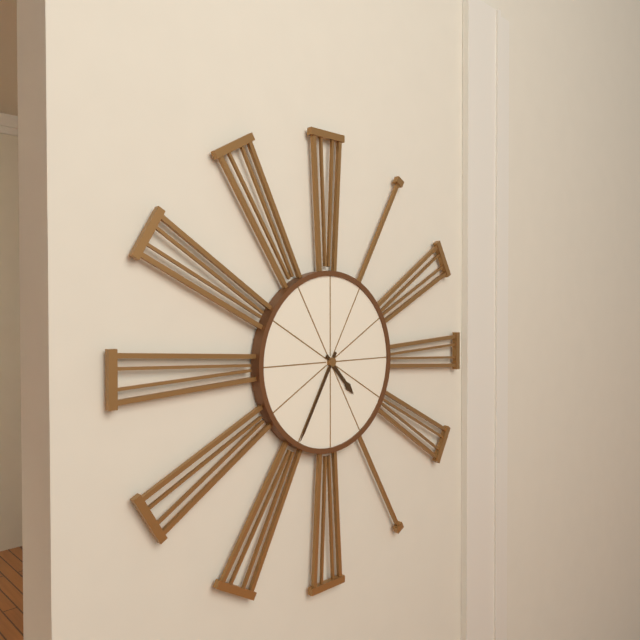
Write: 4:35
